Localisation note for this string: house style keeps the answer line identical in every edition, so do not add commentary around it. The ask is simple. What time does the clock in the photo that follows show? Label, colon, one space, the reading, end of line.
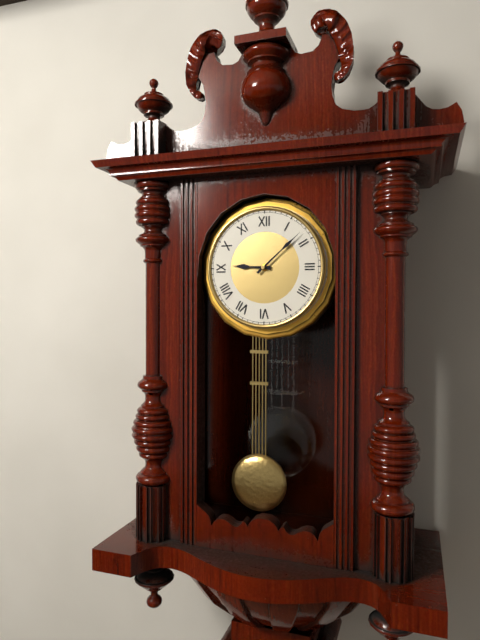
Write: 9:08
